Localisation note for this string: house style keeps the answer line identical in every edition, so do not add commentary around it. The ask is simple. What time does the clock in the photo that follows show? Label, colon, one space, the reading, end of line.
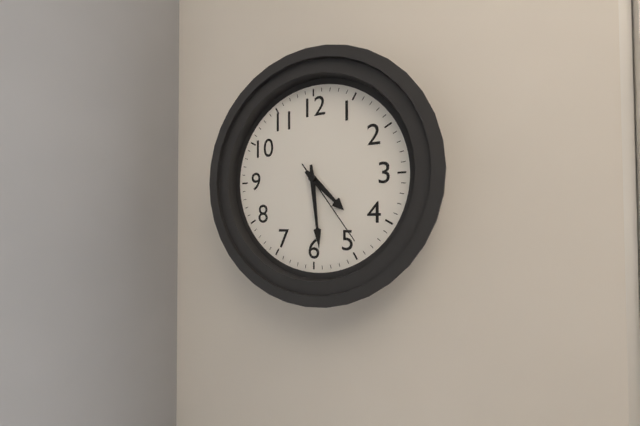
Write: 4:29:24
